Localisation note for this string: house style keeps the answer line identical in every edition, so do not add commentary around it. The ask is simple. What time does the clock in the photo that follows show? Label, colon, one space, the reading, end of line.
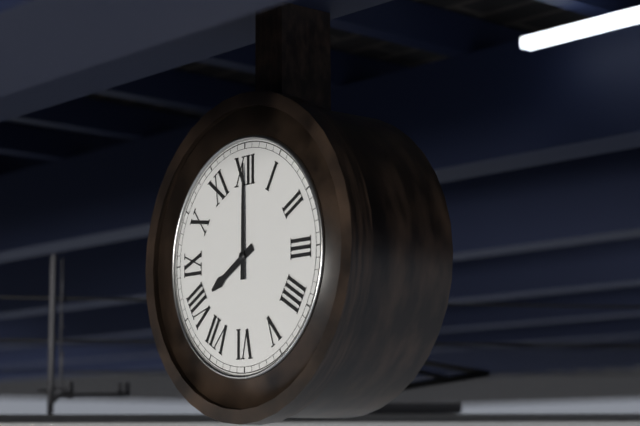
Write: 8:00
